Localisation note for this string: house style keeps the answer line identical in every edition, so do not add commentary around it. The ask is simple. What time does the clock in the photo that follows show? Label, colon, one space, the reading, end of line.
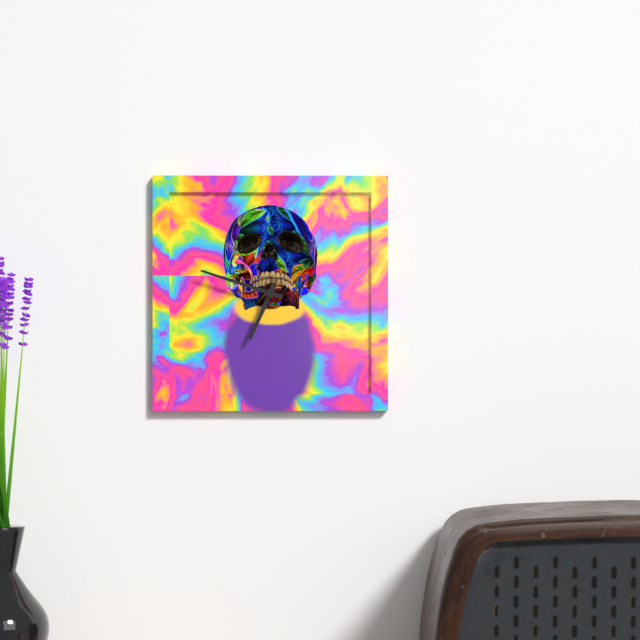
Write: 6:48
